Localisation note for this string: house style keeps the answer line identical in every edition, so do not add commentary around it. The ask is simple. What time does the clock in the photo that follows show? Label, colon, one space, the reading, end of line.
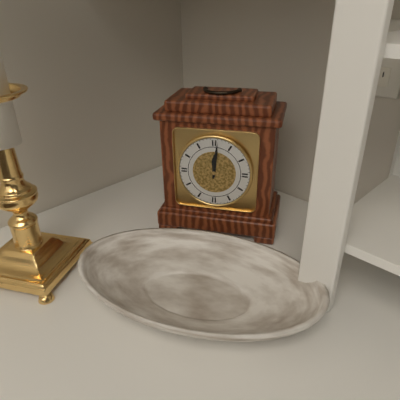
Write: 12:01
